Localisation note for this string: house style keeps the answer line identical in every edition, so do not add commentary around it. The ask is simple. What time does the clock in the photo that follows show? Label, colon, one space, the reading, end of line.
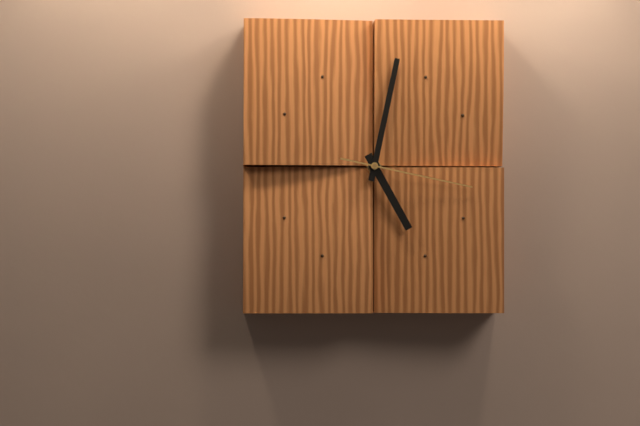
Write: 5:02:17
